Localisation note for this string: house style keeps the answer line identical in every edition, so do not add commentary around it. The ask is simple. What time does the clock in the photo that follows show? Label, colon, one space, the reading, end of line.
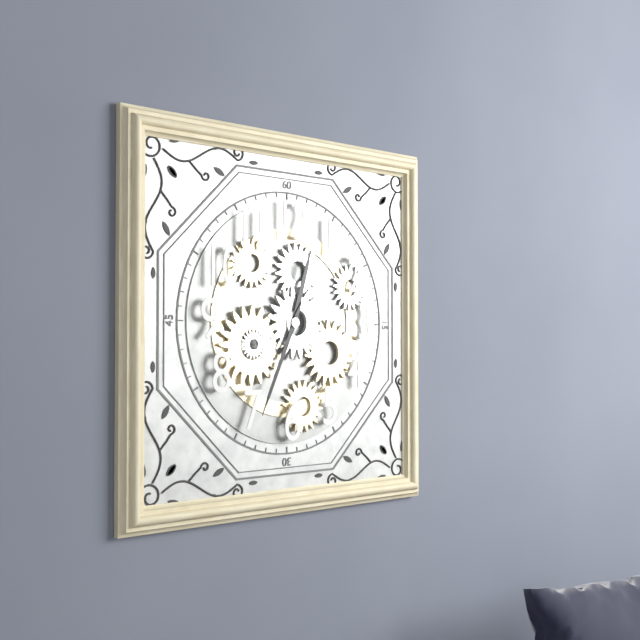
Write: 12:34
